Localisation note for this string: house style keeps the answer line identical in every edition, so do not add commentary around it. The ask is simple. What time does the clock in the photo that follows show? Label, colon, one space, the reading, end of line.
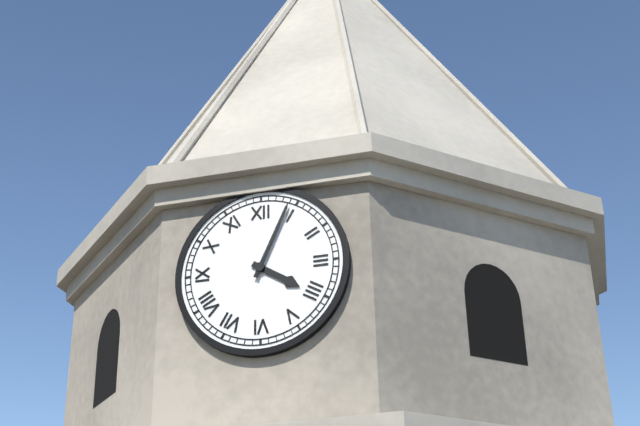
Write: 4:04
